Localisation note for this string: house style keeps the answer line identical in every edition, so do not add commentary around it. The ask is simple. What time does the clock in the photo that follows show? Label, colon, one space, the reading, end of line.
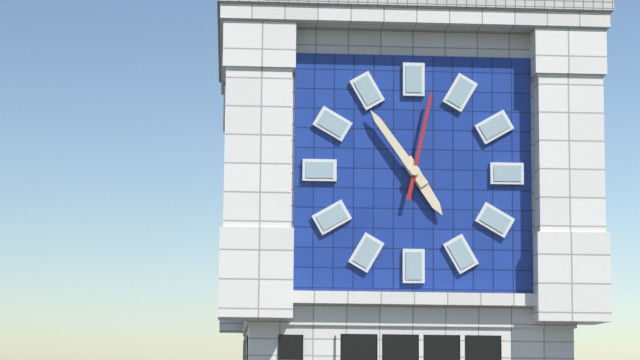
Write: 4:54:02
